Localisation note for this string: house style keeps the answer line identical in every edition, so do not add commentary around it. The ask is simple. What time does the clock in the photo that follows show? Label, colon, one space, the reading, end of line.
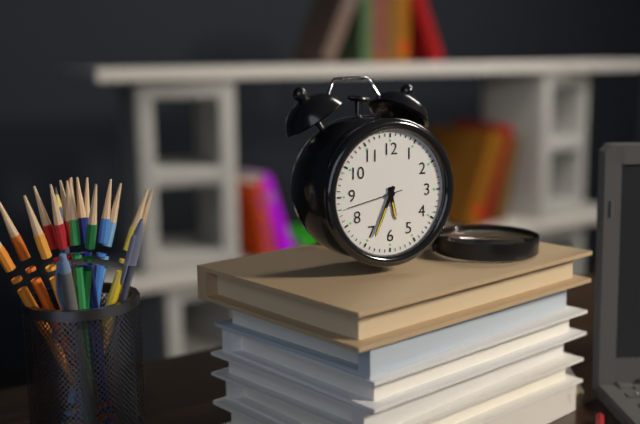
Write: 5:34:43
